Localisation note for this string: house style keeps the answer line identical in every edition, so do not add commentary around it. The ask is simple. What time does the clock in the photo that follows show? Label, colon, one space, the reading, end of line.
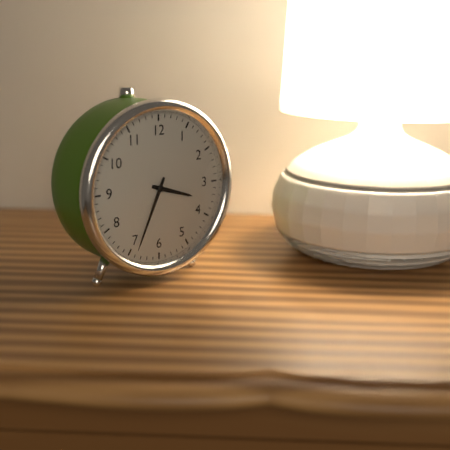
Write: 3:34
